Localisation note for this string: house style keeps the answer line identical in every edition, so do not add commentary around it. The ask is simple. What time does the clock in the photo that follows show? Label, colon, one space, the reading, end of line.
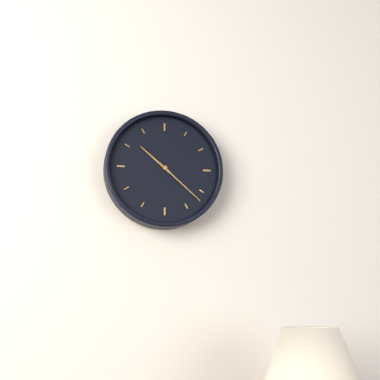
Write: 10:22
